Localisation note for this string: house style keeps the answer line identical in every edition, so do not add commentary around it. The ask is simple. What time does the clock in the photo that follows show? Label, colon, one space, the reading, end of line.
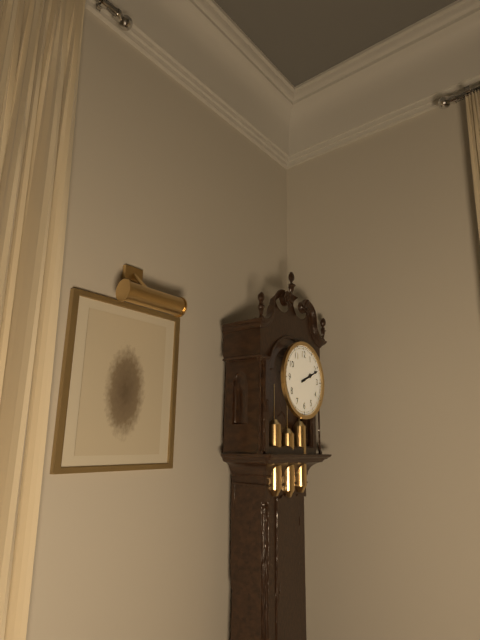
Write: 2:11
